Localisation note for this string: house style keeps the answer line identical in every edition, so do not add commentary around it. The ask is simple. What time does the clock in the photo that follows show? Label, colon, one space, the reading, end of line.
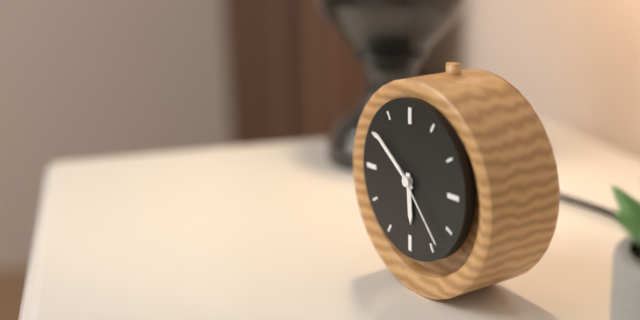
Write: 5:51:23
